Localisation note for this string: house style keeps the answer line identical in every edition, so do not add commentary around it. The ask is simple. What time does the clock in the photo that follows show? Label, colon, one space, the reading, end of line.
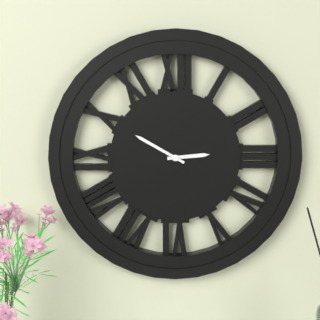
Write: 2:50
